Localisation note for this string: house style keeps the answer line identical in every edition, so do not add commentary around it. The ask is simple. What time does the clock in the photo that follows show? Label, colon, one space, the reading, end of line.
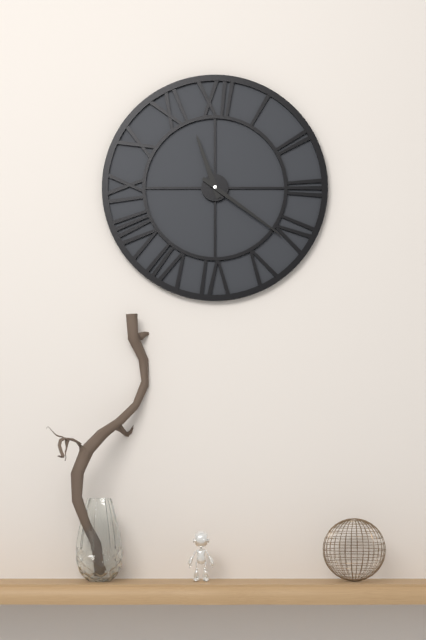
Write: 11:21
